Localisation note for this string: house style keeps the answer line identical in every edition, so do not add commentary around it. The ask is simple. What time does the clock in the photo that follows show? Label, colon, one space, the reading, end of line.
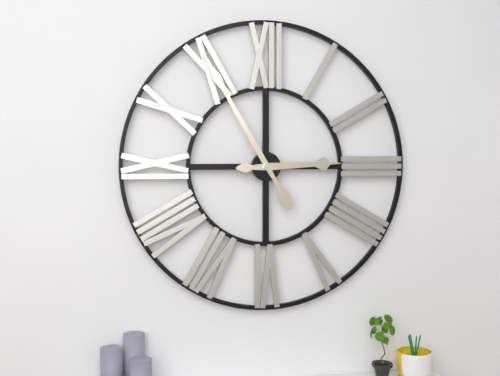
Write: 2:55
